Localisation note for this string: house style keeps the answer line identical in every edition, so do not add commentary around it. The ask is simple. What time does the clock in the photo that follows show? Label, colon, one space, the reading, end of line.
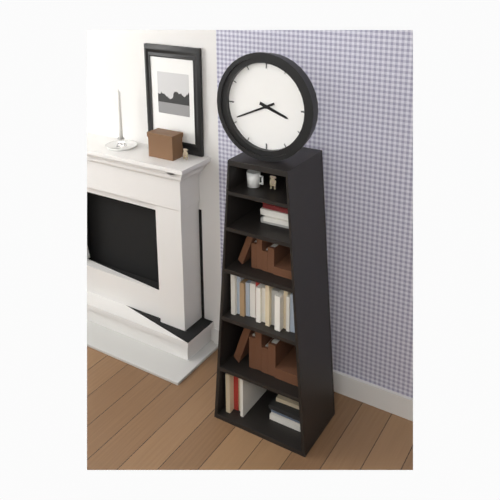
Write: 3:41
